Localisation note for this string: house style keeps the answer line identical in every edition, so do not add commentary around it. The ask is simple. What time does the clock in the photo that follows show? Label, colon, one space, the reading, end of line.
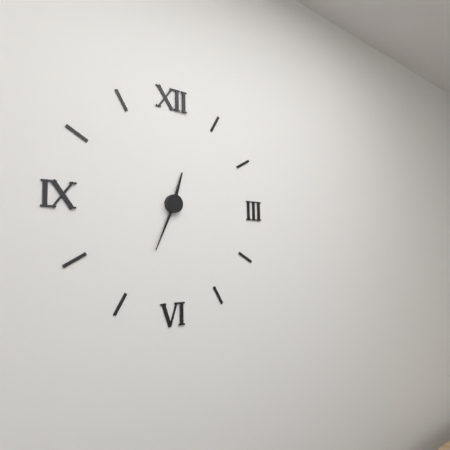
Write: 12:34
